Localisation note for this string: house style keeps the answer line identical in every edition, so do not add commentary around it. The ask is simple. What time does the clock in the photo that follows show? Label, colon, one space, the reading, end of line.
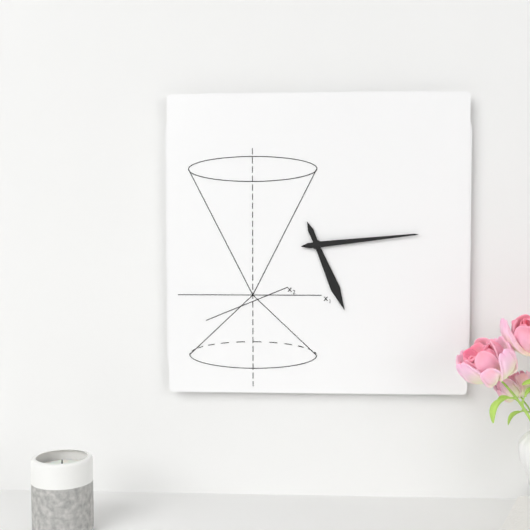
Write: 5:14
